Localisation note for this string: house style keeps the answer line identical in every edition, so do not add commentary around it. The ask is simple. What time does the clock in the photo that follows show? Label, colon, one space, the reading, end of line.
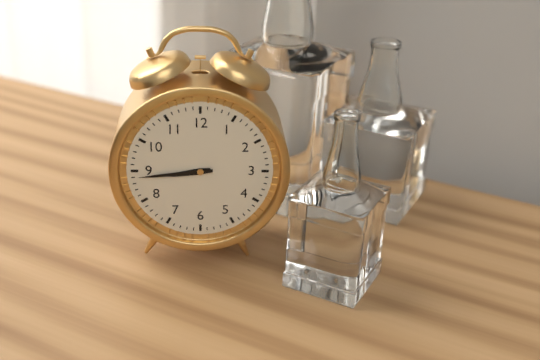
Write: 8:44
